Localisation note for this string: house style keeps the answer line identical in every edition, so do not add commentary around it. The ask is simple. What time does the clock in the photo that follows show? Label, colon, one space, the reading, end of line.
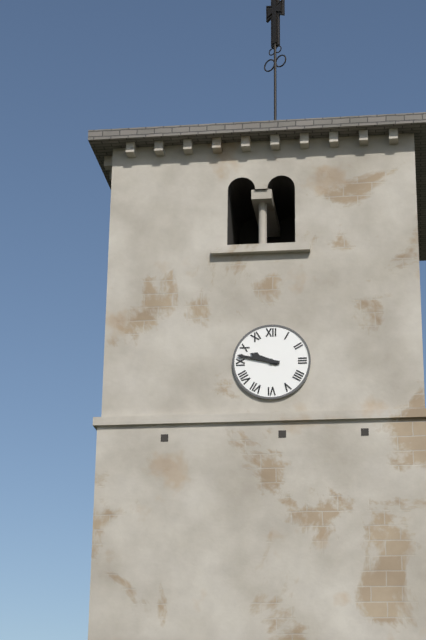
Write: 9:47
